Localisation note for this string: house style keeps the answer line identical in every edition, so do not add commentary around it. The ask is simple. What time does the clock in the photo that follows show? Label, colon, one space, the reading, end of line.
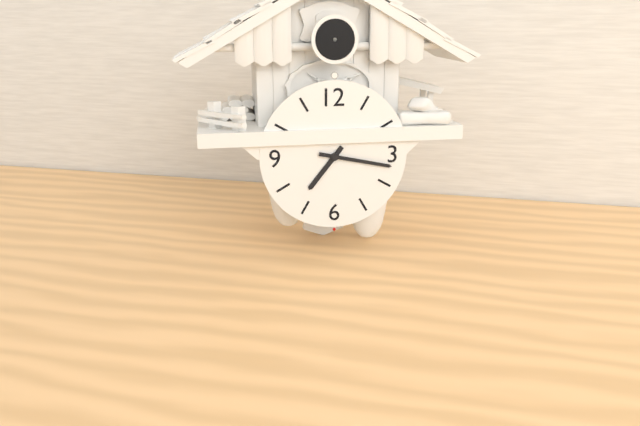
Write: 7:17
